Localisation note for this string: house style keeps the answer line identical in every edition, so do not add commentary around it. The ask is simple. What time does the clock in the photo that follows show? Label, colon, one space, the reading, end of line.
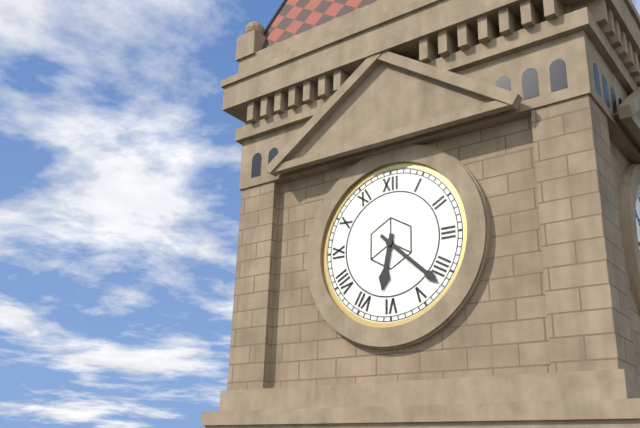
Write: 6:22
